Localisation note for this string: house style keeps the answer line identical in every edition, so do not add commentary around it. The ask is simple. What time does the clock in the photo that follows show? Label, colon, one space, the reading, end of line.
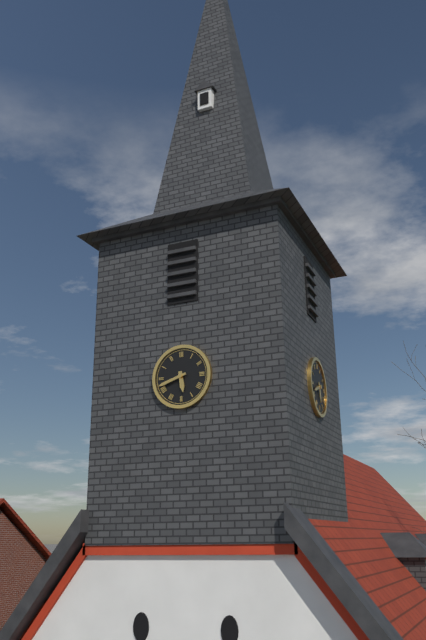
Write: 5:42
